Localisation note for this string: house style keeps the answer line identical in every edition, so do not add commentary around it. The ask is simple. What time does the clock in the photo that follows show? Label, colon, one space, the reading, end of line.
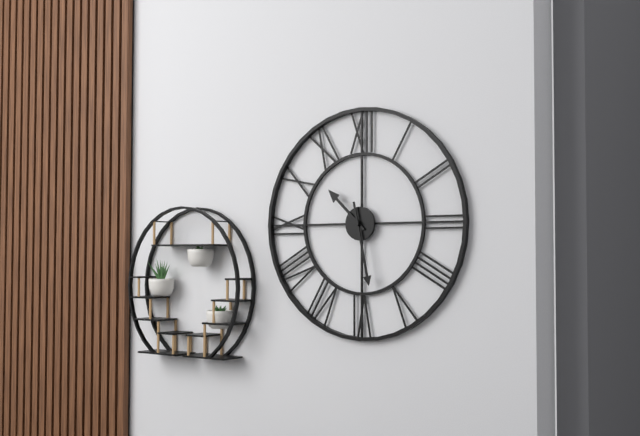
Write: 10:28
